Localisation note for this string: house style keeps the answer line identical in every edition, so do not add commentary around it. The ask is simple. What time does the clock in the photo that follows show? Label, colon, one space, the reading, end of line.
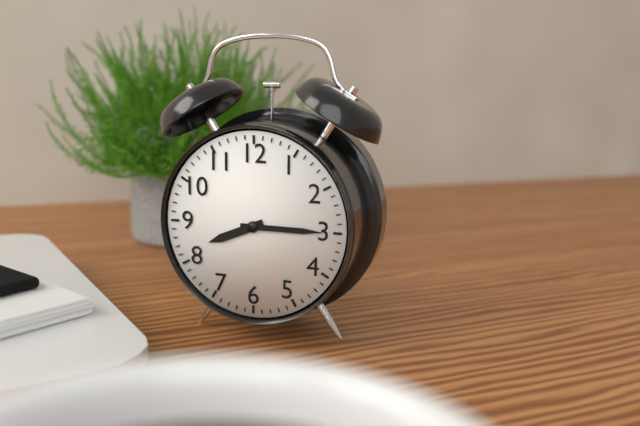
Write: 8:15
